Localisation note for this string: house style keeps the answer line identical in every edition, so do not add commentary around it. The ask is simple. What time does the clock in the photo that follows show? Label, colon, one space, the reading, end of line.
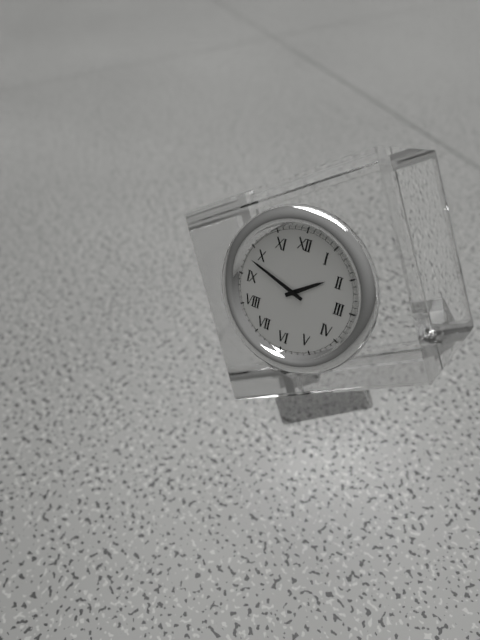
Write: 1:48
